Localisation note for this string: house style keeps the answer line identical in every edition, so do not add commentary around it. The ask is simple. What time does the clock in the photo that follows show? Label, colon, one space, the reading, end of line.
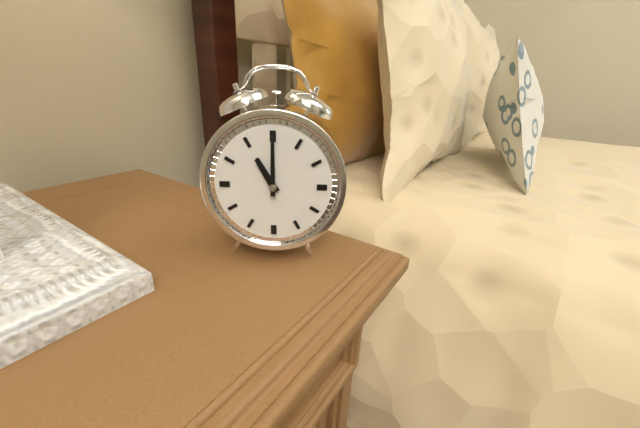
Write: 11:00
